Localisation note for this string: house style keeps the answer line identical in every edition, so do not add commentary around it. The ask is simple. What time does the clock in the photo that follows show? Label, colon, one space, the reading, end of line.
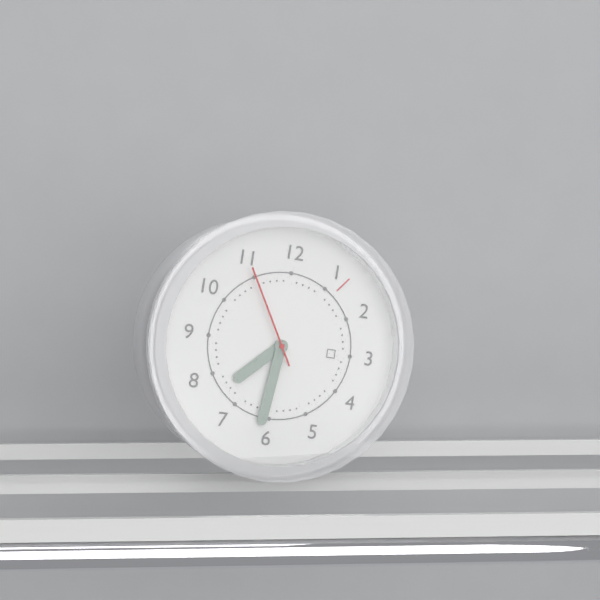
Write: 7:31:55
